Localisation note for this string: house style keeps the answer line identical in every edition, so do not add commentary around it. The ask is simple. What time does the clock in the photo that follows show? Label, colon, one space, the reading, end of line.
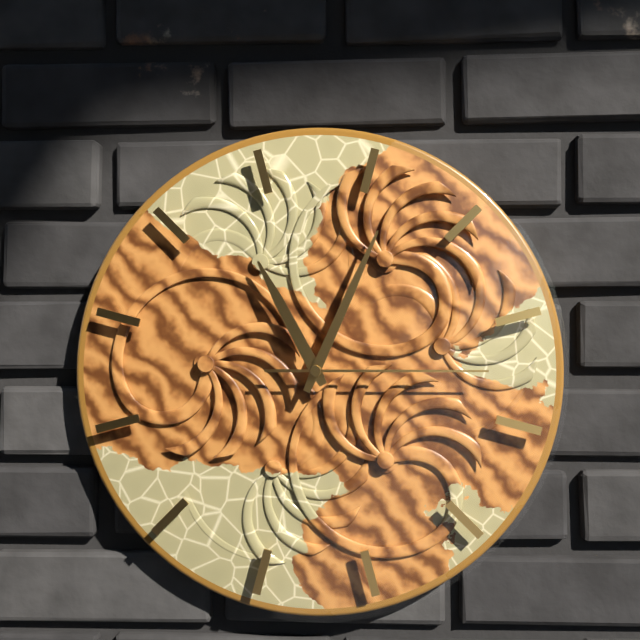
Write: 11:04:15
